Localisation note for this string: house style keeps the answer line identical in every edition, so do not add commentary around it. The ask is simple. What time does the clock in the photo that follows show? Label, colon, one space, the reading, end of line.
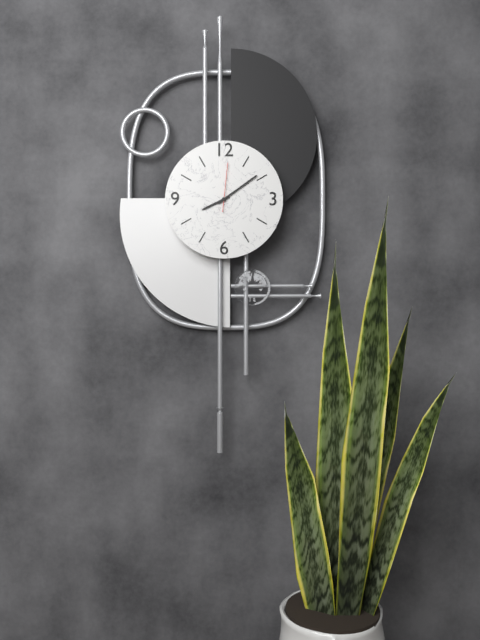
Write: 8:09
